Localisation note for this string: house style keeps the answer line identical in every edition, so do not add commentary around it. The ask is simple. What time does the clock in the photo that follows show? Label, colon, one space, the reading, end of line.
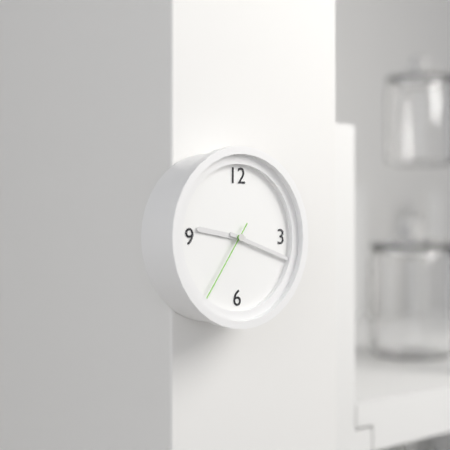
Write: 9:18:36
